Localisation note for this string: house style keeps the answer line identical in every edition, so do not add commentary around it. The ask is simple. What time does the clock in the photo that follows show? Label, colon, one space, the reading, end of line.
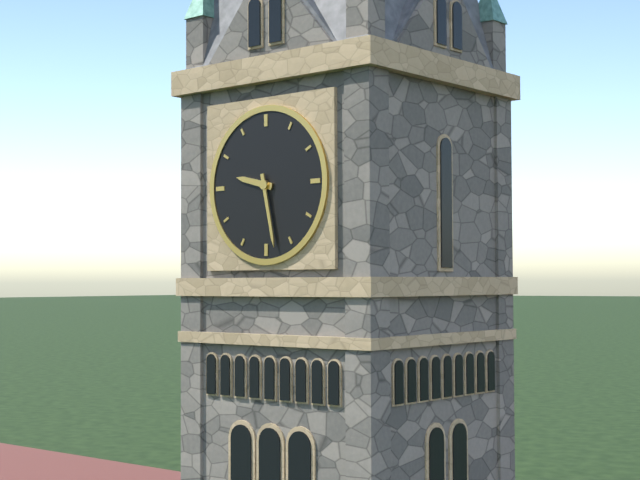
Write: 9:28
